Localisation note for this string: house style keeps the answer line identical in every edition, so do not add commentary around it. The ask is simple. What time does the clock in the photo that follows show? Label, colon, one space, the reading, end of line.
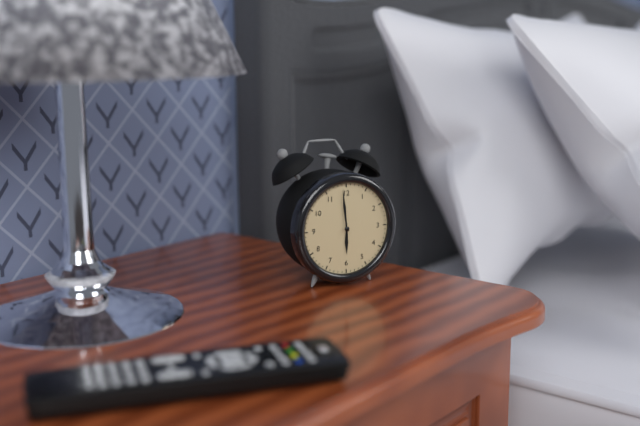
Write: 5:59
